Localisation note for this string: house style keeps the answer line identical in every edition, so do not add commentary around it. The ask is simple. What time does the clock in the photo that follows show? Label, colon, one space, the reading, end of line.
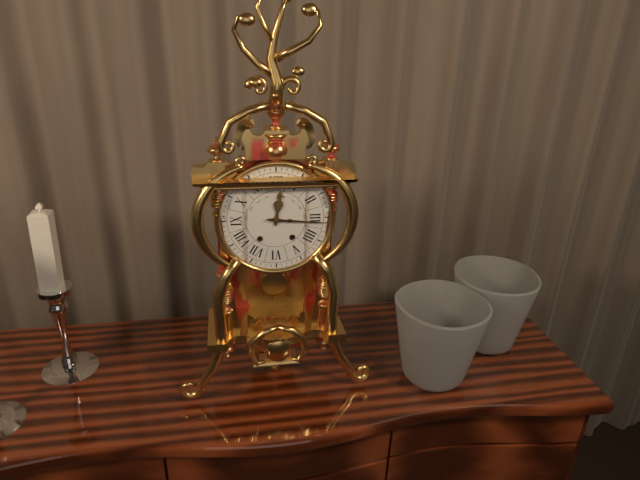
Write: 12:16
